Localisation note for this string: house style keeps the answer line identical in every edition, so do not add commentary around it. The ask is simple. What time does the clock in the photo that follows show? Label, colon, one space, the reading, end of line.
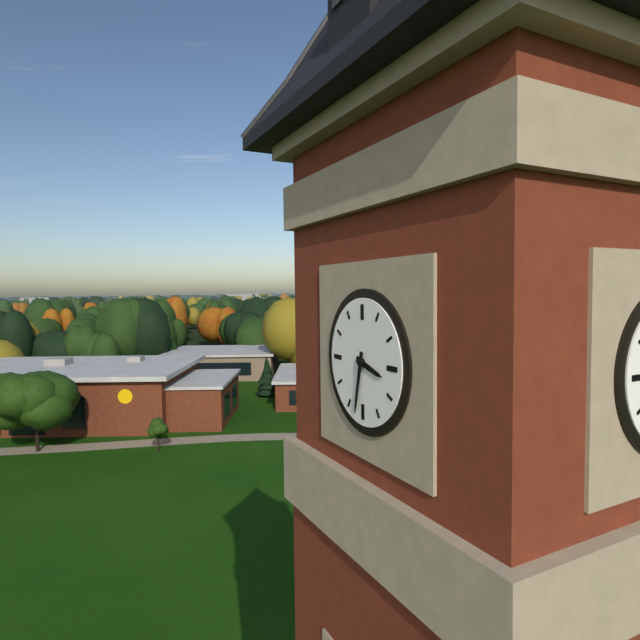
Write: 3:32
